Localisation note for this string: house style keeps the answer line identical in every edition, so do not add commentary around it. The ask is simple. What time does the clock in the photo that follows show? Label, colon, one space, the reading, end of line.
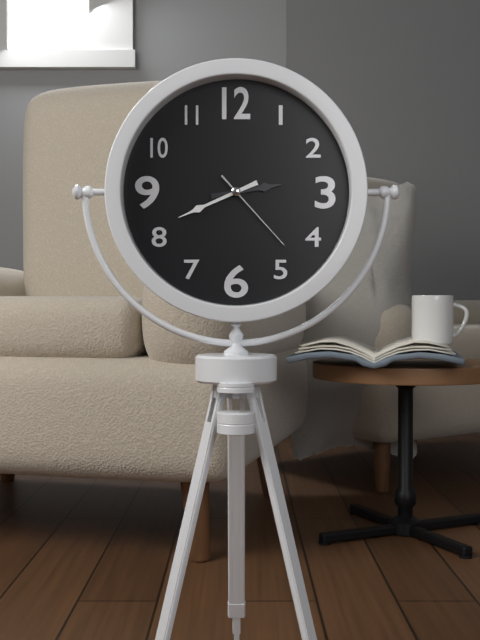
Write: 2:41:23
